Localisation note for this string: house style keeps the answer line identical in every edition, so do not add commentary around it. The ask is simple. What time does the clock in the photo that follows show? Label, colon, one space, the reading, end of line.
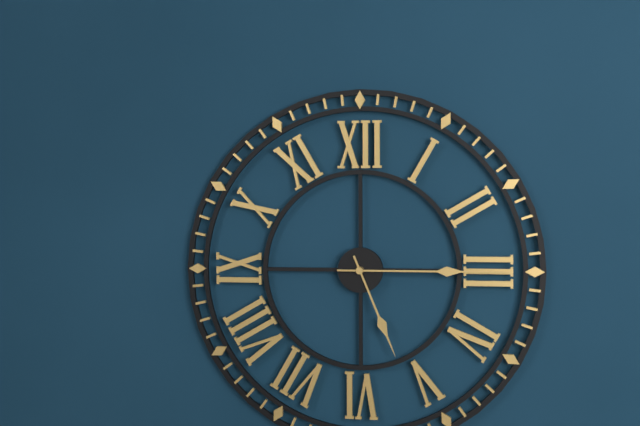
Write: 5:15
